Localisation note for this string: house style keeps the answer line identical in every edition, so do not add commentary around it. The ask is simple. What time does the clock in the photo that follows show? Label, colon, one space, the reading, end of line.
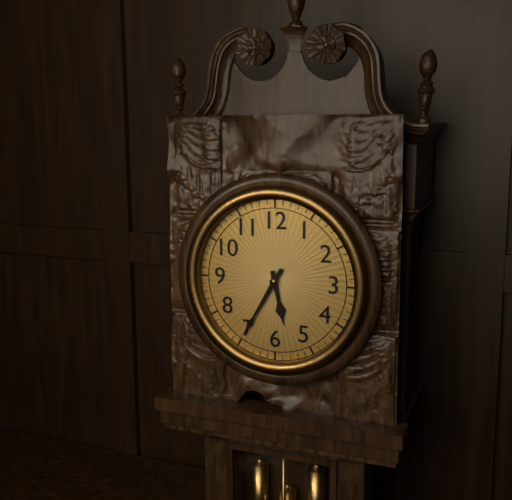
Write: 5:35
